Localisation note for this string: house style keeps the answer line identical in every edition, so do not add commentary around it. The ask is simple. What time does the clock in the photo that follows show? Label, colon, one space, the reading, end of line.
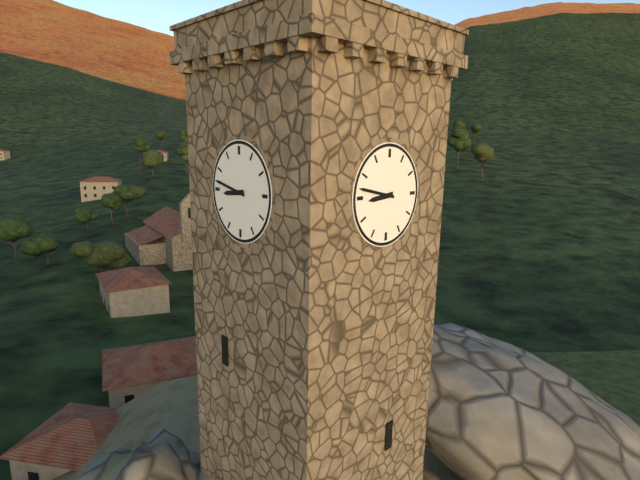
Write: 8:47
